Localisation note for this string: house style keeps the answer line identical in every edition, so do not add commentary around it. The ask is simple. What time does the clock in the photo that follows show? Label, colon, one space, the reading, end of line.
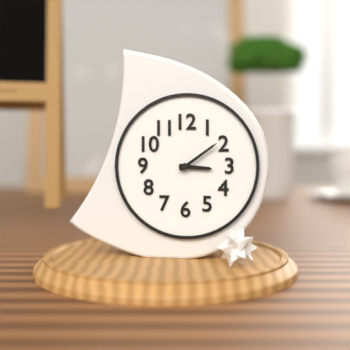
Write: 3:09
